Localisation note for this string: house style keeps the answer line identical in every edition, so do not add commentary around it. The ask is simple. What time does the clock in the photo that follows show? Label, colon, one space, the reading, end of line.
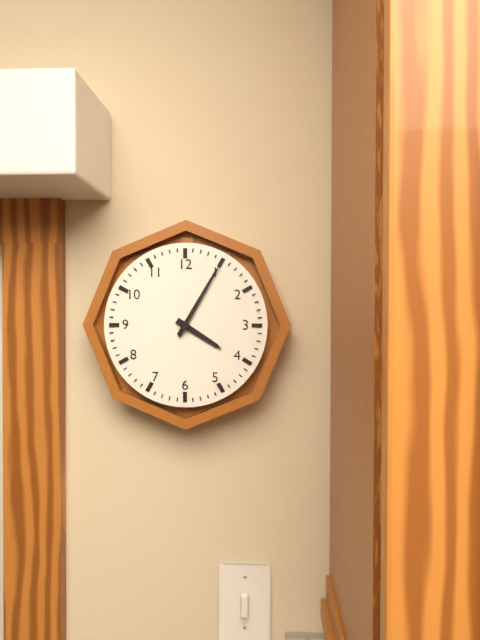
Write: 4:05
